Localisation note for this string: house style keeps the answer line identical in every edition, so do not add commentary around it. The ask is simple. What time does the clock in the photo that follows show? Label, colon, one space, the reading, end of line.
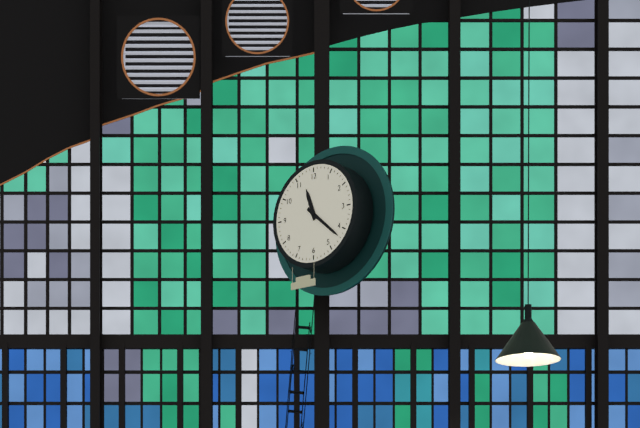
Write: 11:22
